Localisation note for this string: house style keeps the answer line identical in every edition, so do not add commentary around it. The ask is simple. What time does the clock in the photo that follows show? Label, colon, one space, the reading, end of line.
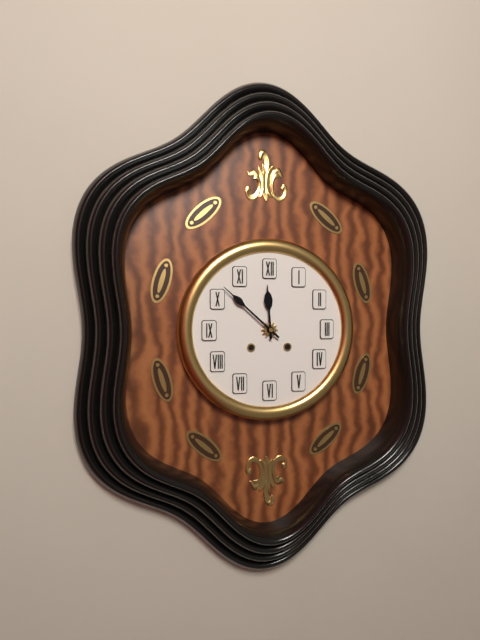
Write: 11:52
